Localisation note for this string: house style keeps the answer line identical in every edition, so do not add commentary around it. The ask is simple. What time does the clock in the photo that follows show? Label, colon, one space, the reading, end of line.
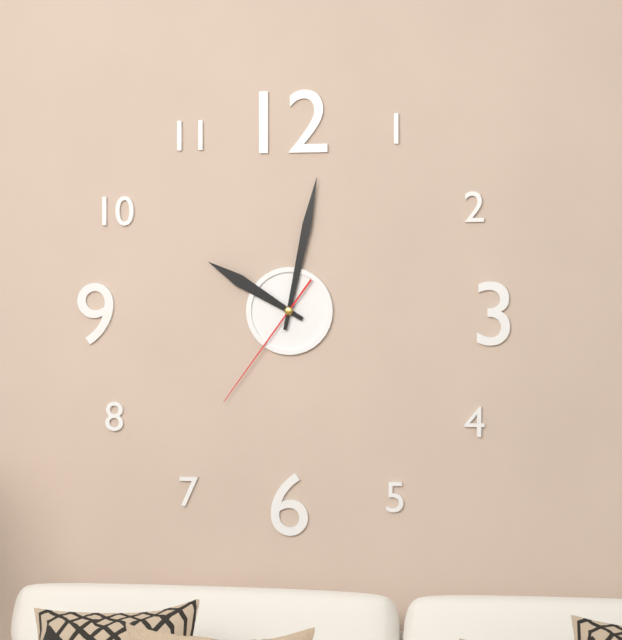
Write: 10:02:36
